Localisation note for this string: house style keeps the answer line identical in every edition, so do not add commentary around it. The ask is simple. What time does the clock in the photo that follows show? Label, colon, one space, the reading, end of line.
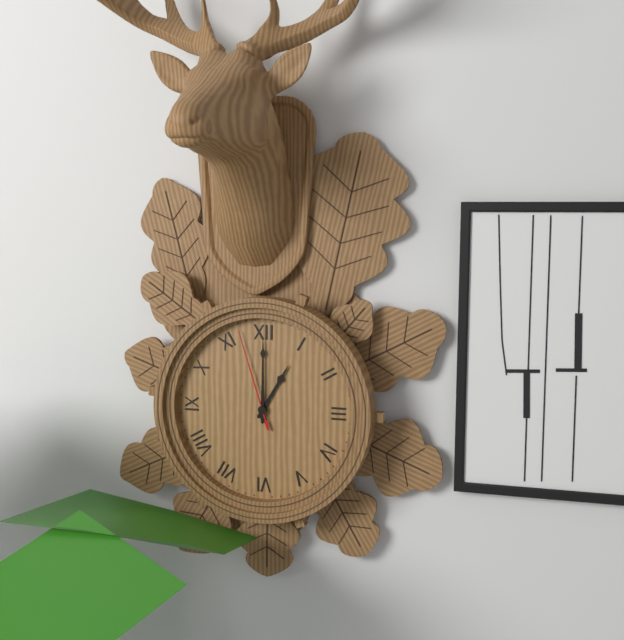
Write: 1:00:57
